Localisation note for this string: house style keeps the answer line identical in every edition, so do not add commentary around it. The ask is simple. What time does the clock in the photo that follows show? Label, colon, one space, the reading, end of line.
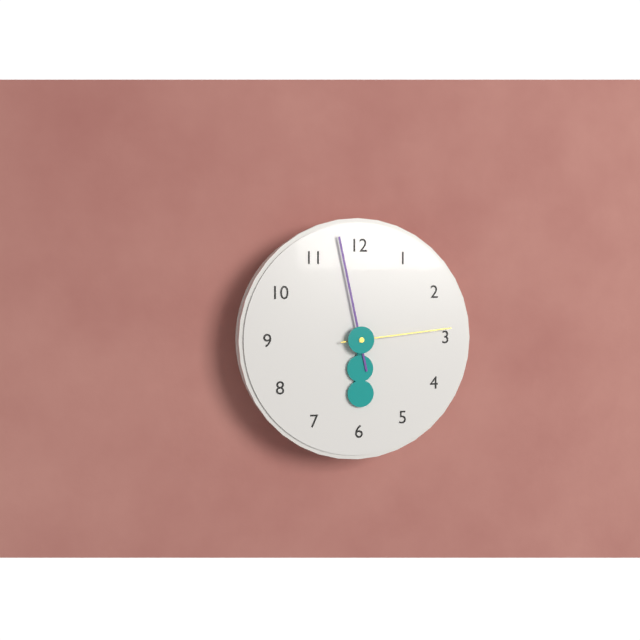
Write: 5:58:14
